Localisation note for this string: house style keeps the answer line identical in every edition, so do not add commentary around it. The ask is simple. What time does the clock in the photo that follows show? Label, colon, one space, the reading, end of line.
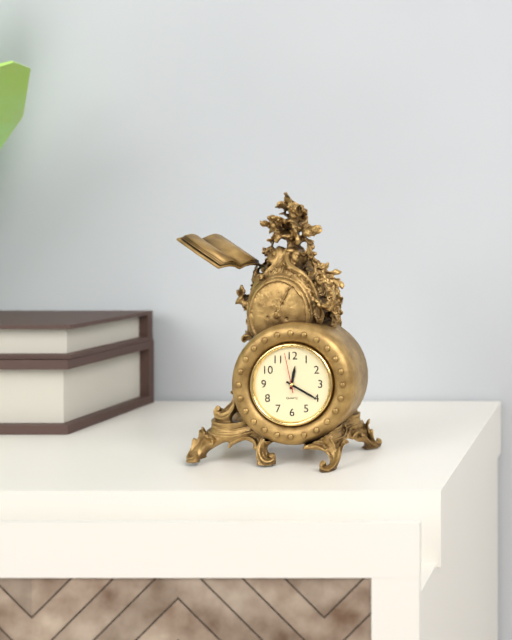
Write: 12:20
